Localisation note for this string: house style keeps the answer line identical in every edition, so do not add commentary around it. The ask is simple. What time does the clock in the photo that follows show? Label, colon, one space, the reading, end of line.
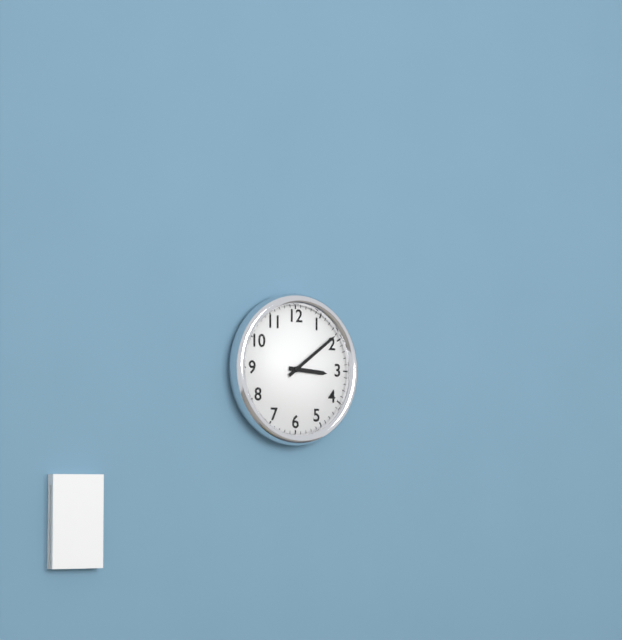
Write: 3:09
